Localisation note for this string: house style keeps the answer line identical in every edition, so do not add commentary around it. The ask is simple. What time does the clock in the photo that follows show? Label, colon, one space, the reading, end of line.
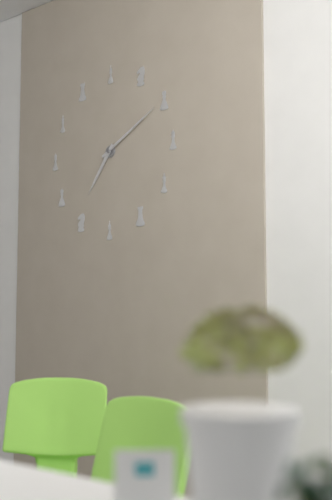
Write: 7:10
